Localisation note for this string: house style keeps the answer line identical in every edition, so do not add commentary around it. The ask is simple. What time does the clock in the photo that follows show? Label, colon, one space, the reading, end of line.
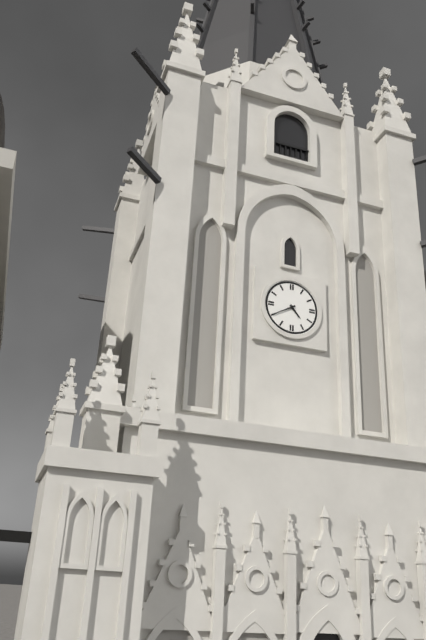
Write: 4:40
